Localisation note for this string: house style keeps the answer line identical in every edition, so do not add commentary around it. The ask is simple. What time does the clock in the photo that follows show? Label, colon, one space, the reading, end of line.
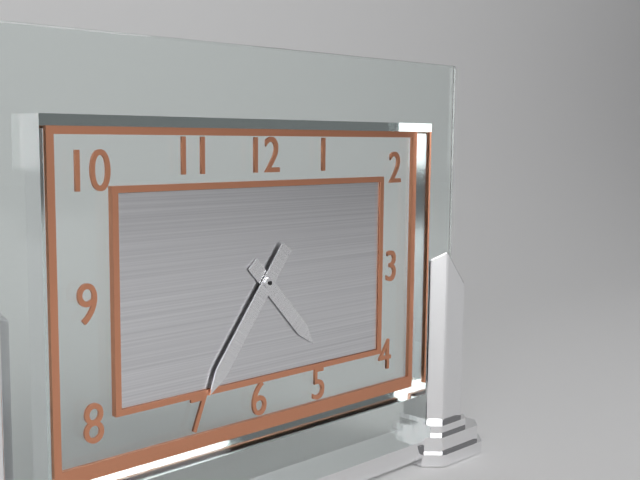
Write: 4:36
